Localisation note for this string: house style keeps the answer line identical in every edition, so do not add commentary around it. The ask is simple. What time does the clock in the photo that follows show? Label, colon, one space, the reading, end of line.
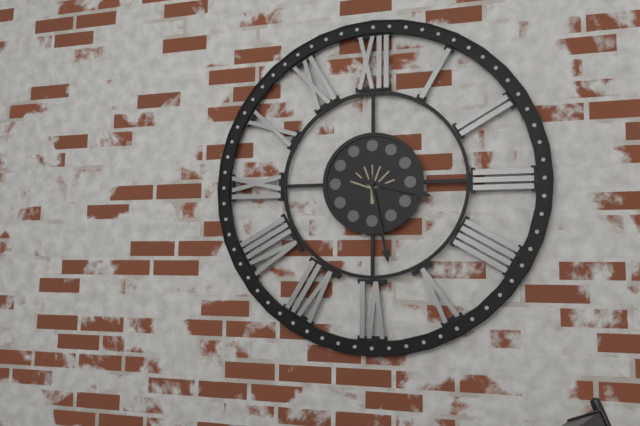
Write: 3:28
